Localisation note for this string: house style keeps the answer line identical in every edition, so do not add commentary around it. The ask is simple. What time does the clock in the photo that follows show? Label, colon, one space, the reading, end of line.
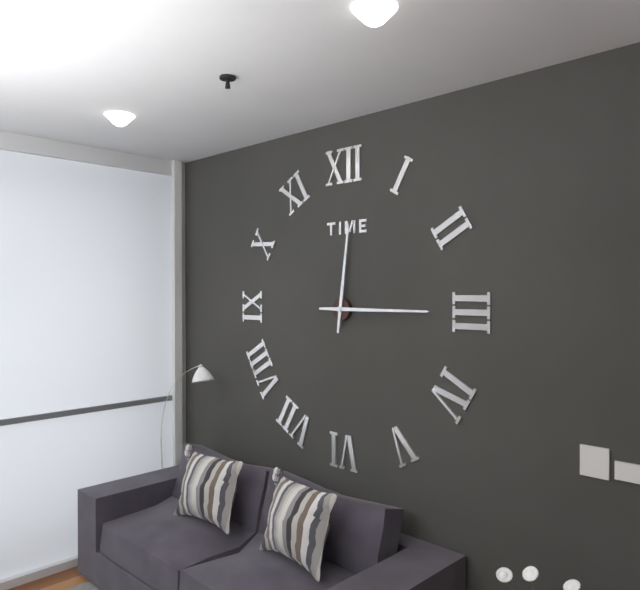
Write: 12:15
